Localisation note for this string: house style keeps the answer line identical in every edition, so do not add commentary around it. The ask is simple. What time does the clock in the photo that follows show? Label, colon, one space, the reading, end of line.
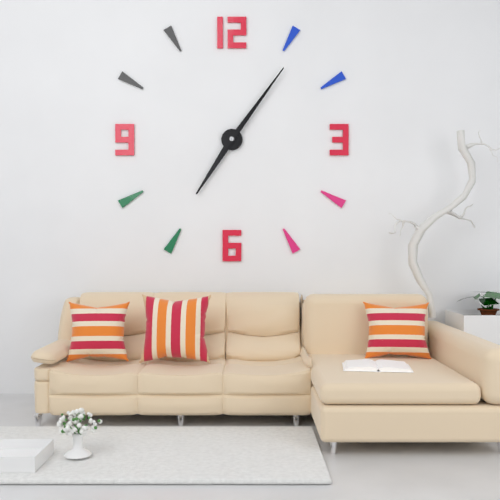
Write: 7:06
